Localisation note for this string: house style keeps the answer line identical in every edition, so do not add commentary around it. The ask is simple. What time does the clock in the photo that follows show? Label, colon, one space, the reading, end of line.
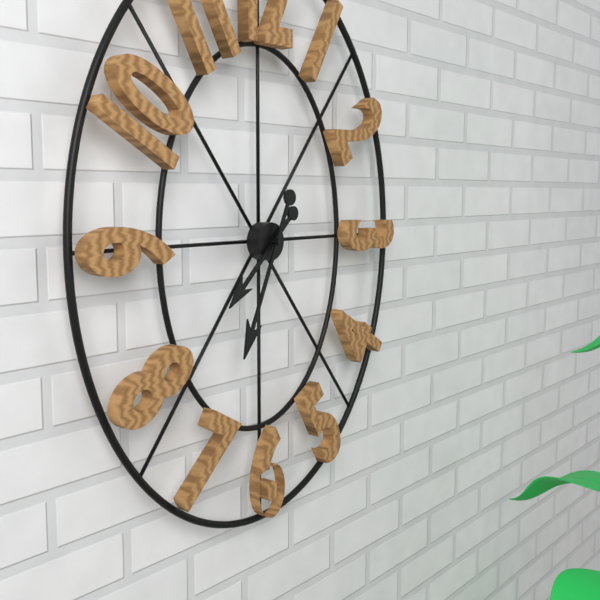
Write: 7:34
